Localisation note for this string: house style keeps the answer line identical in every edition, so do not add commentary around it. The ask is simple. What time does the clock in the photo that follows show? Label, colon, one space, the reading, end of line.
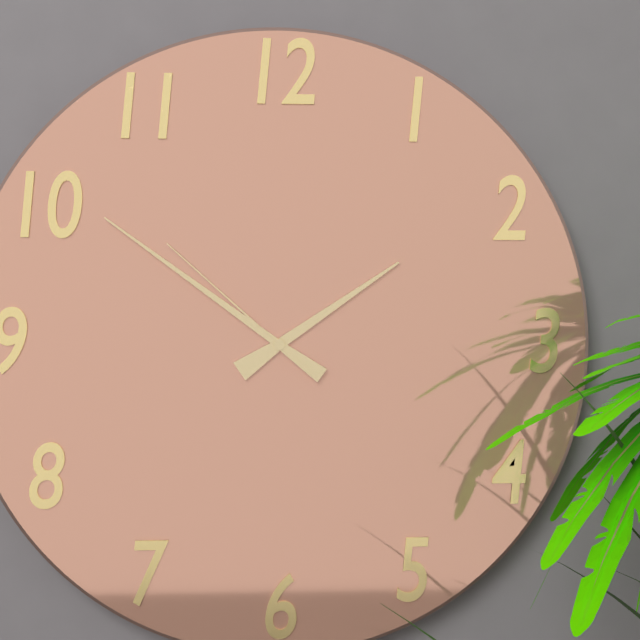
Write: 1:51:52
